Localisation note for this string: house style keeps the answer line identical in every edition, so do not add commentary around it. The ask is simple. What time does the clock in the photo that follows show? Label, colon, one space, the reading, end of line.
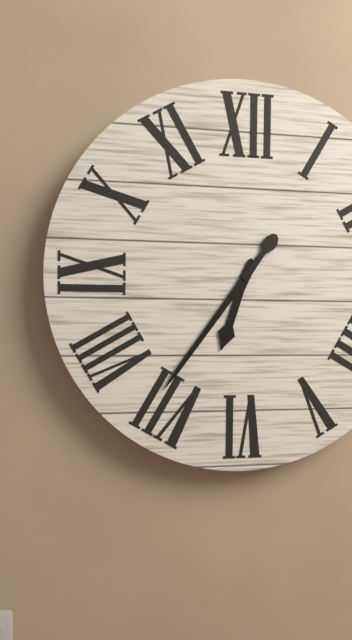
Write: 6:36
